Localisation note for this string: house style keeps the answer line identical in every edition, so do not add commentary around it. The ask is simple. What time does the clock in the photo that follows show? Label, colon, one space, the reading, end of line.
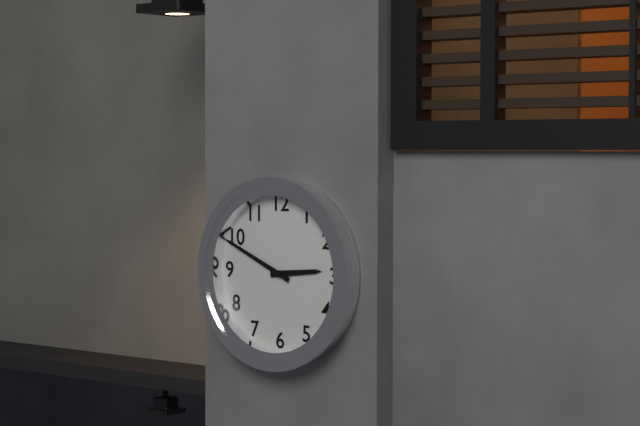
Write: 2:49
